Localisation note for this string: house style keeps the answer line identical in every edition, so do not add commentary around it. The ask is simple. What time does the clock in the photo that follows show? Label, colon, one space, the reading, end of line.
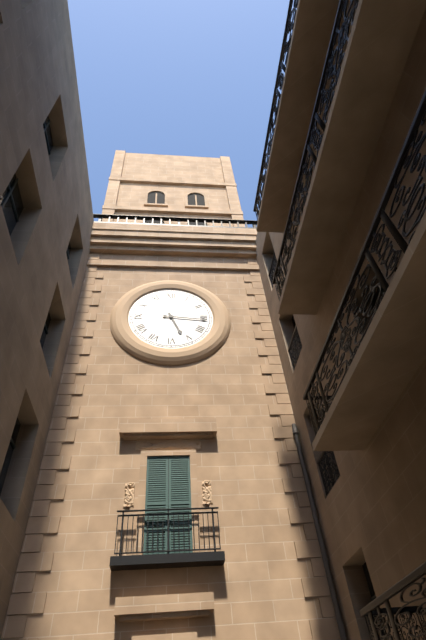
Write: 5:16
